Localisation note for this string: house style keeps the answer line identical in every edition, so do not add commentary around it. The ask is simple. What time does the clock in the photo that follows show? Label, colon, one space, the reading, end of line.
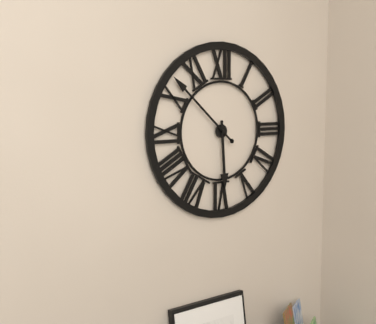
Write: 5:52:52
